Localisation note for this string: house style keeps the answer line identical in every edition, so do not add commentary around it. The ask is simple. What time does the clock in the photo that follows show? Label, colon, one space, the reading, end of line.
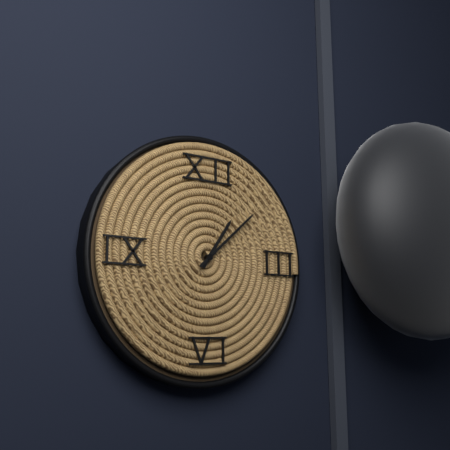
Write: 1:08
